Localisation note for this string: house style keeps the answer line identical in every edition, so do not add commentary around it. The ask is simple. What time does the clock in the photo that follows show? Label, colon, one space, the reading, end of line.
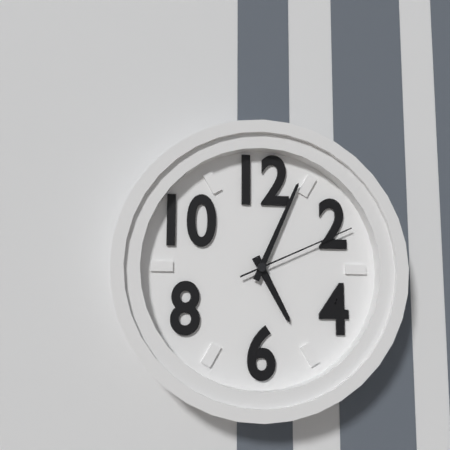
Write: 5:04:11
